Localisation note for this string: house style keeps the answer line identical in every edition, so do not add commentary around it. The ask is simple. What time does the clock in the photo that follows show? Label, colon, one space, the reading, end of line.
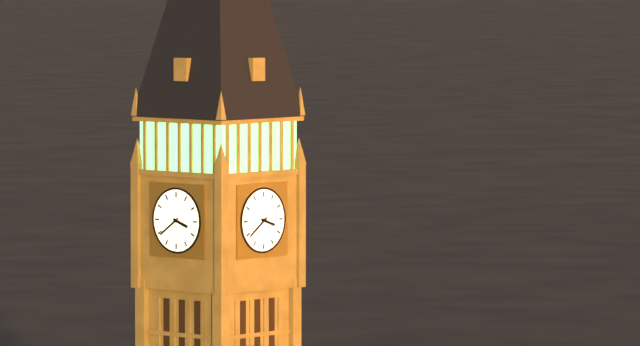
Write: 3:39
